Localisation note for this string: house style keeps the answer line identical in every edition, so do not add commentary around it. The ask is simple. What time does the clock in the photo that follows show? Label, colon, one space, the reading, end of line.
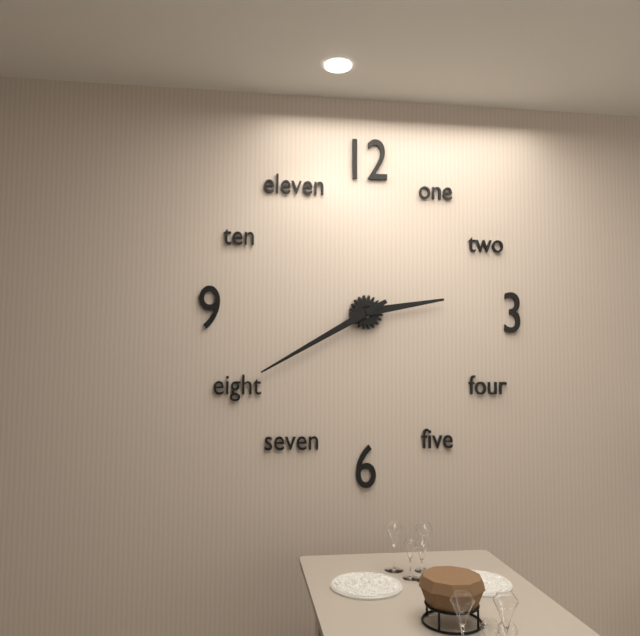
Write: 2:40
